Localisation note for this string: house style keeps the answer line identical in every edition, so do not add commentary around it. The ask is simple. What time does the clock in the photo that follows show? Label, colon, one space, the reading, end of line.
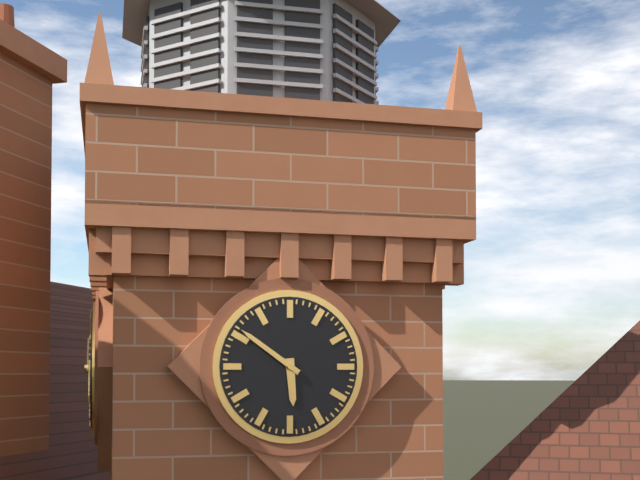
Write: 5:51
